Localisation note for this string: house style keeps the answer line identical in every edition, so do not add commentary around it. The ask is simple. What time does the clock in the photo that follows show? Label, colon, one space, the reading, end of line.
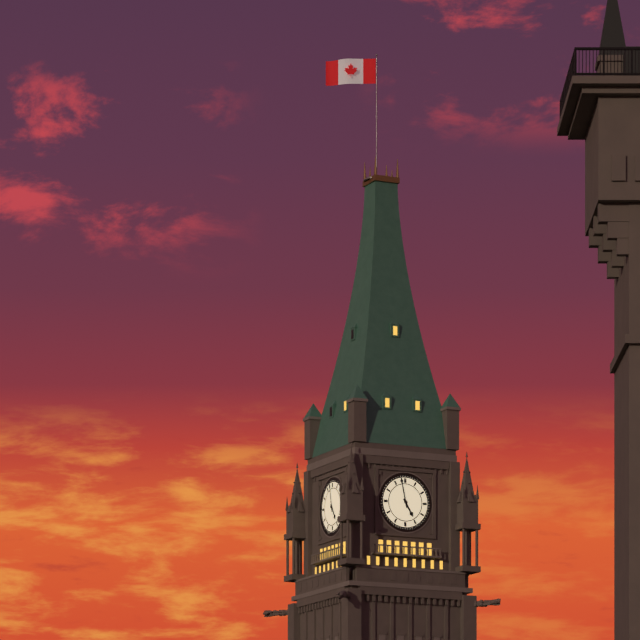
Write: 4:58
